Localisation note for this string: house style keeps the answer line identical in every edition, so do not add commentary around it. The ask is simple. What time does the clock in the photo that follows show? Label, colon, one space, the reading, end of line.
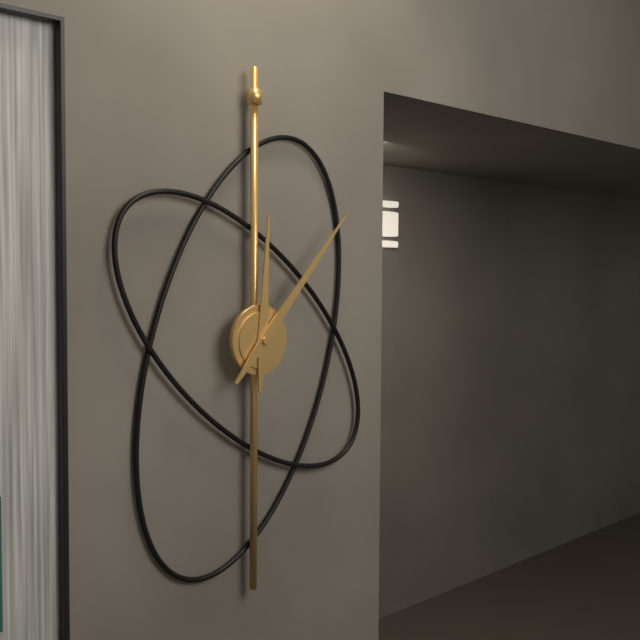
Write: 12:07
